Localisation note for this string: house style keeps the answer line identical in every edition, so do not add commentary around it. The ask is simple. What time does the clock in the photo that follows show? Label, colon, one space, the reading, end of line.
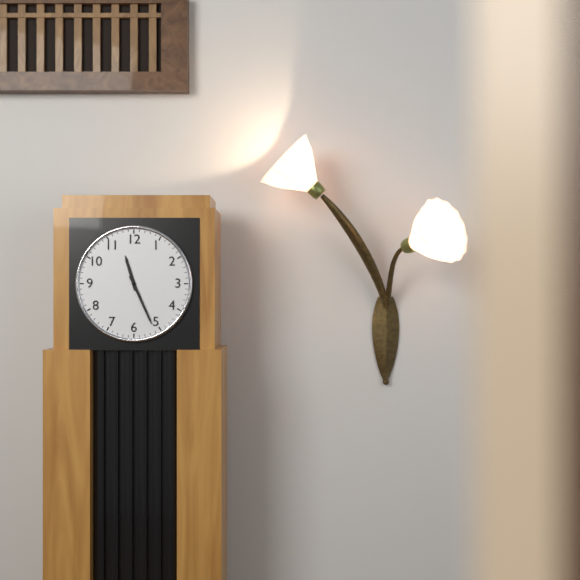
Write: 11:26
